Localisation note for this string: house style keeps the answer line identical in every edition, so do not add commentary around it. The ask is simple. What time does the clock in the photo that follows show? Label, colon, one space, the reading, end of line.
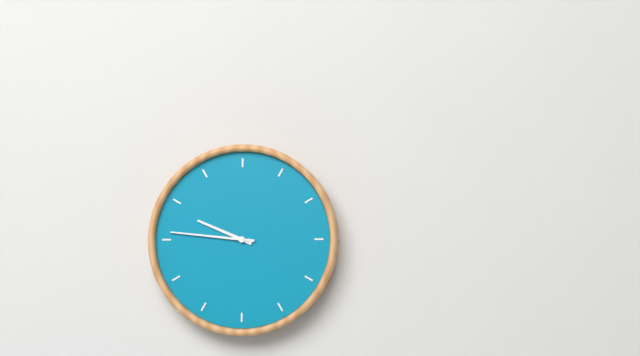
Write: 9:46
